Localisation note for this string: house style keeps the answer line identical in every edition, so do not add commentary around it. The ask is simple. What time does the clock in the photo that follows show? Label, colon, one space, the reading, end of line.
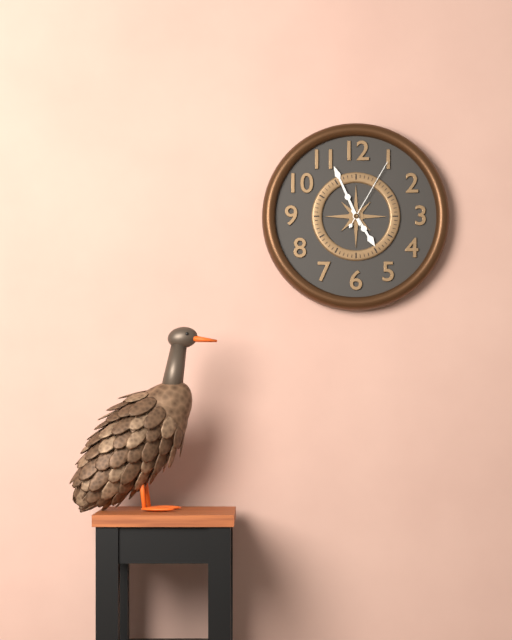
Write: 4:56:05
